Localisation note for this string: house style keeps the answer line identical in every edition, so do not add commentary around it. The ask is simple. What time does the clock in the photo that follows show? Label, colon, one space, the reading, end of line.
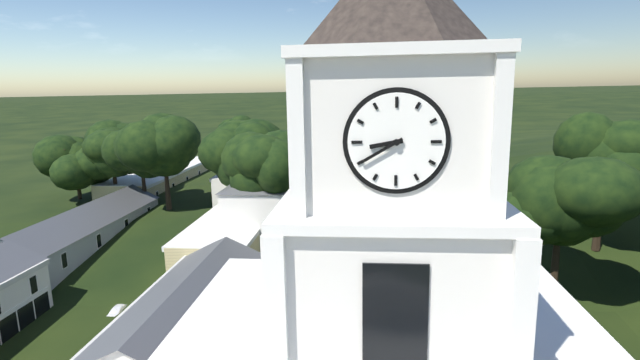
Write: 8:40
